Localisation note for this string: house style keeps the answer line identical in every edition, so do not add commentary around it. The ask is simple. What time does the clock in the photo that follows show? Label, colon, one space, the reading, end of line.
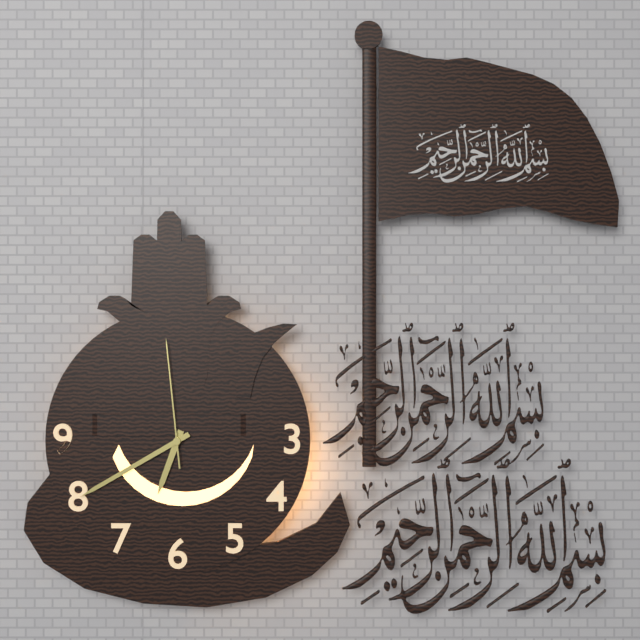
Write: 6:40:59
